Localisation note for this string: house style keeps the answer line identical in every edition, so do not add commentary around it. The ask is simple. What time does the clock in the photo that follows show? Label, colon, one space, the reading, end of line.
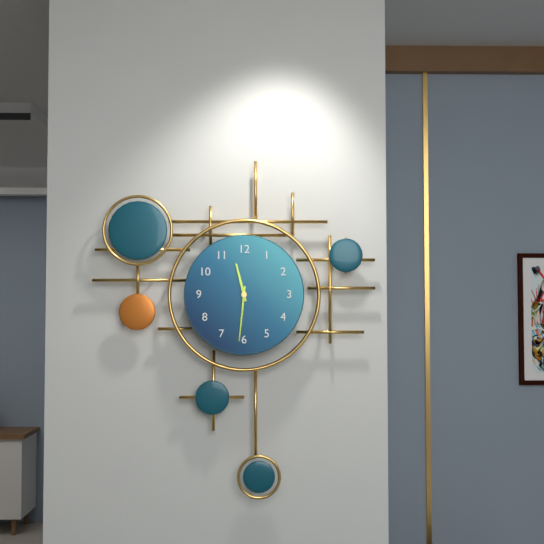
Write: 11:31
